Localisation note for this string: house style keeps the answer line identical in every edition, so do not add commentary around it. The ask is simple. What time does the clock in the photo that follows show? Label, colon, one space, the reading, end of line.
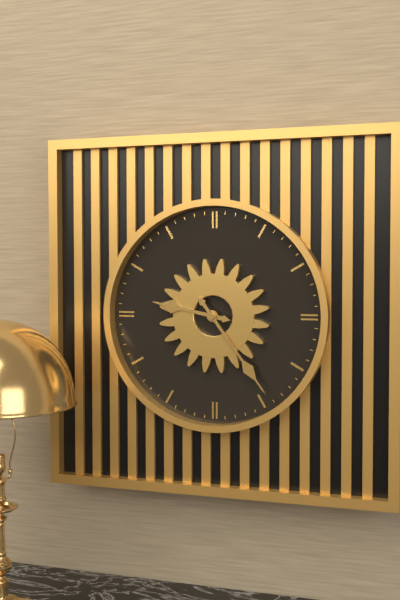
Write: 9:24
